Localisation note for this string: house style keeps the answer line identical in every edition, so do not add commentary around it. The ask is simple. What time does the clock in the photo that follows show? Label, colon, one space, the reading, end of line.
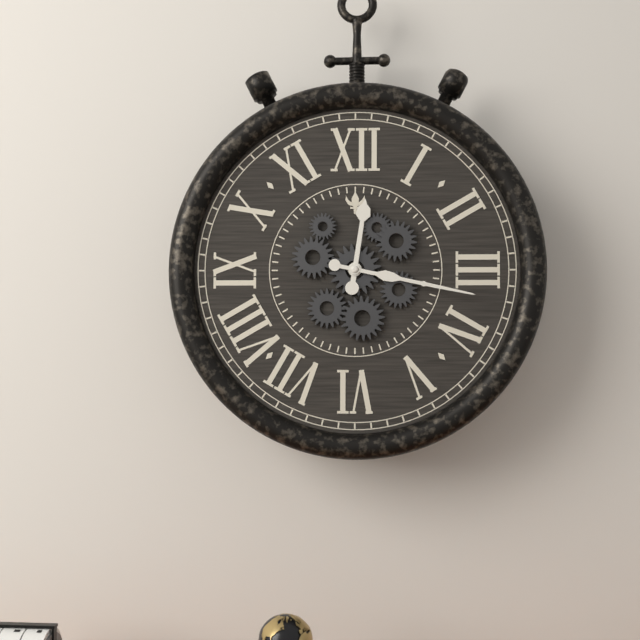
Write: 12:17
